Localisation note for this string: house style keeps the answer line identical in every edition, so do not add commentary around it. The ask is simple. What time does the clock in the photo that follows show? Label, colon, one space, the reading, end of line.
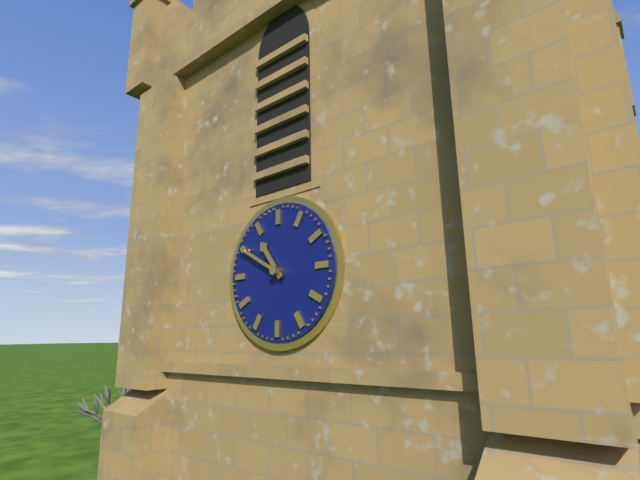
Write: 10:50
